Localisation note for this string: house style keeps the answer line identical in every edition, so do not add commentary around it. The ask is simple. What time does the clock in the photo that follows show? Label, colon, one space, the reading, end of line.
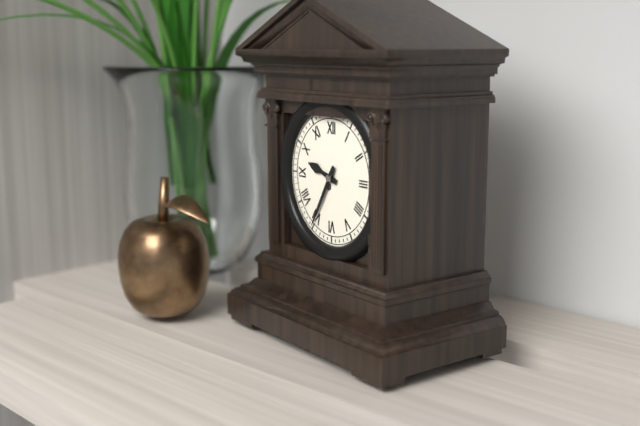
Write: 9:35
